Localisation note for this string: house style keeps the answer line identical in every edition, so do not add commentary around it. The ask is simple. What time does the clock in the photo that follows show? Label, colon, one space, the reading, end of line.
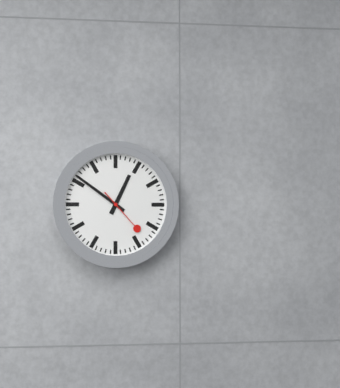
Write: 12:51
